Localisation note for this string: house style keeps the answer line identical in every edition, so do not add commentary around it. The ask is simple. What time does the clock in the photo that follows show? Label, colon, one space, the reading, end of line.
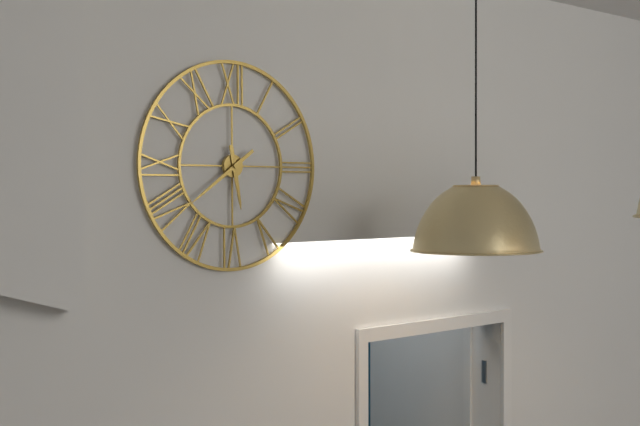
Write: 5:39
